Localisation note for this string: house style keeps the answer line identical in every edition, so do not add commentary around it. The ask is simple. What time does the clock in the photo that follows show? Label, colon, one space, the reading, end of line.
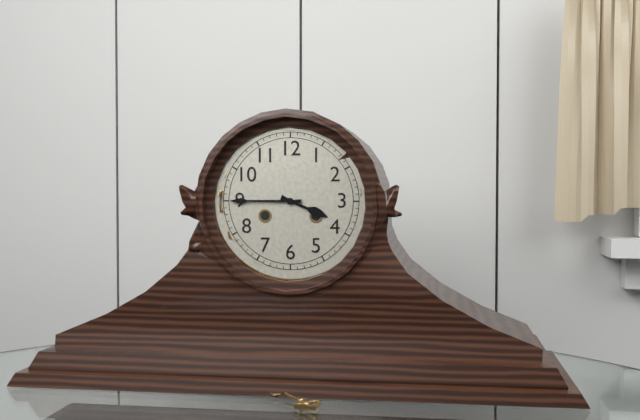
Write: 3:45
